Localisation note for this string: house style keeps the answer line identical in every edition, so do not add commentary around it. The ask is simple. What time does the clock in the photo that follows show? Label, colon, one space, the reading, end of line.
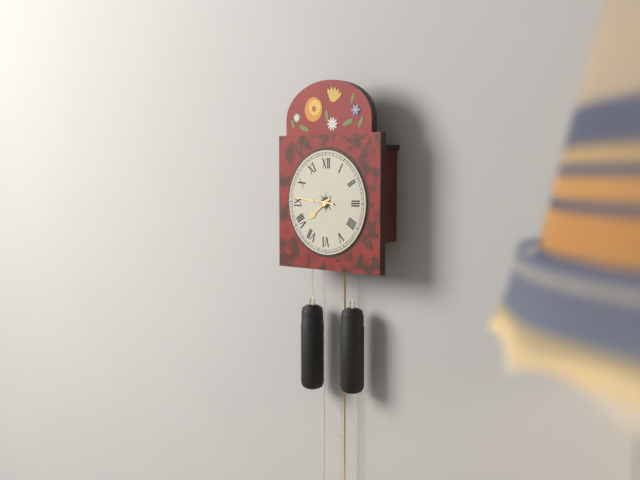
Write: 7:46
